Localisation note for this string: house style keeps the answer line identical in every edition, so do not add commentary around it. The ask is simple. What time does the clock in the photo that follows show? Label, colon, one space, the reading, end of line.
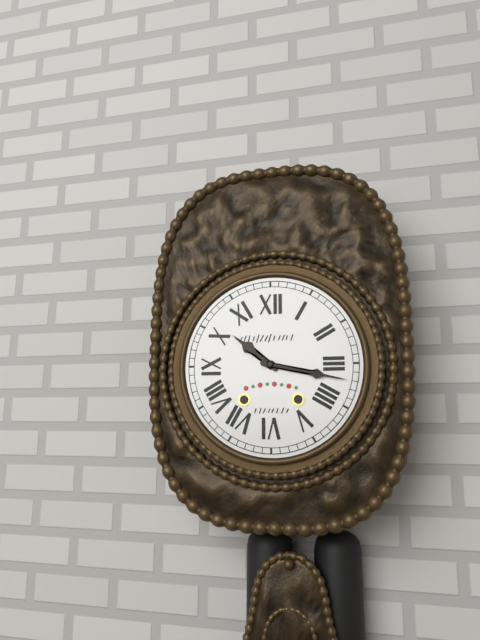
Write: 10:17
